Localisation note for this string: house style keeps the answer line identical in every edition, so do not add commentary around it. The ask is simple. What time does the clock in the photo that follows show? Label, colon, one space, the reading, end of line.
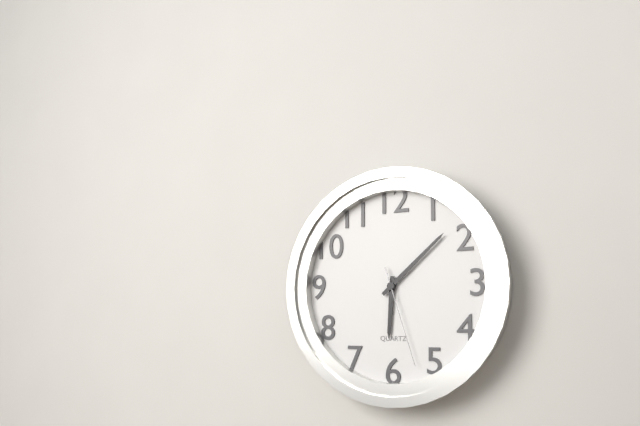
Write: 6:08:27
